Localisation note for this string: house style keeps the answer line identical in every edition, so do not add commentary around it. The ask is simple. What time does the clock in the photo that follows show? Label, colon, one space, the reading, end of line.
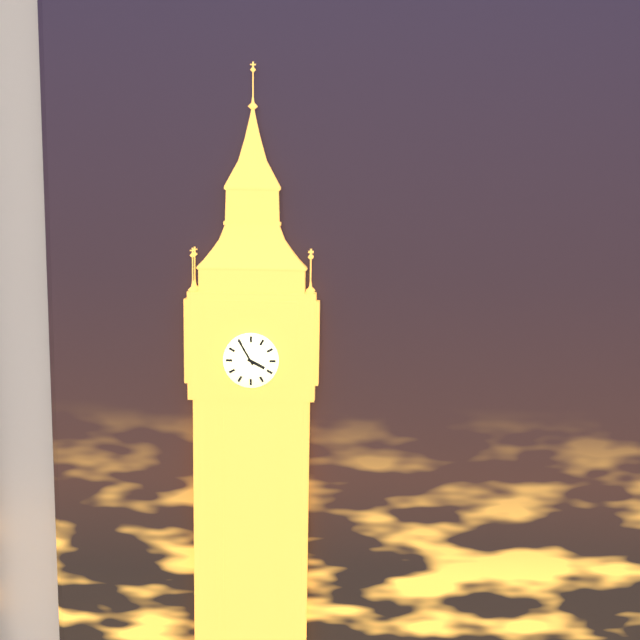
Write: 3:55
